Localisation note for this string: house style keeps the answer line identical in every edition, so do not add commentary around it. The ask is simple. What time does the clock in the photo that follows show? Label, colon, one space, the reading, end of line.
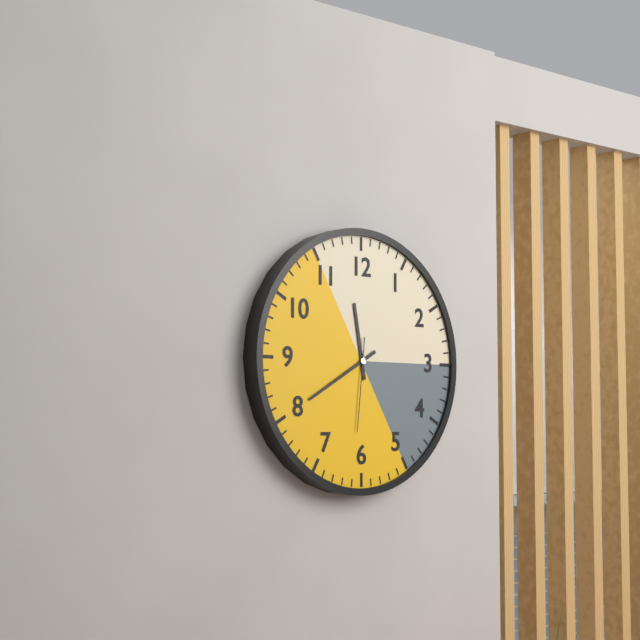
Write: 11:40:31
